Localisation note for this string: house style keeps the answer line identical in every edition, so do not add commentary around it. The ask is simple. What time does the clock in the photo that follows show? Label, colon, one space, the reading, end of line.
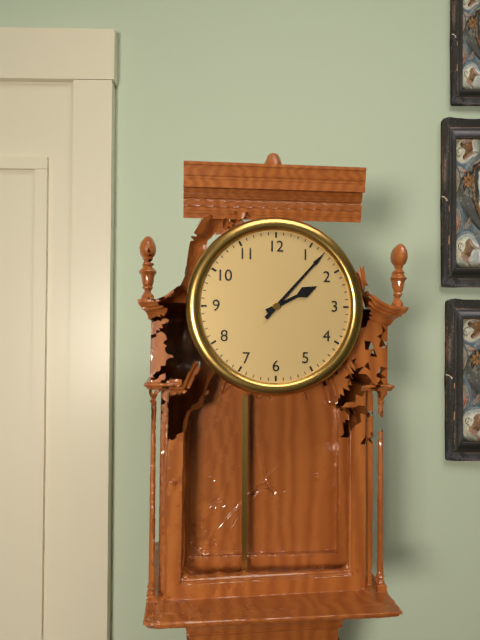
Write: 2:07
